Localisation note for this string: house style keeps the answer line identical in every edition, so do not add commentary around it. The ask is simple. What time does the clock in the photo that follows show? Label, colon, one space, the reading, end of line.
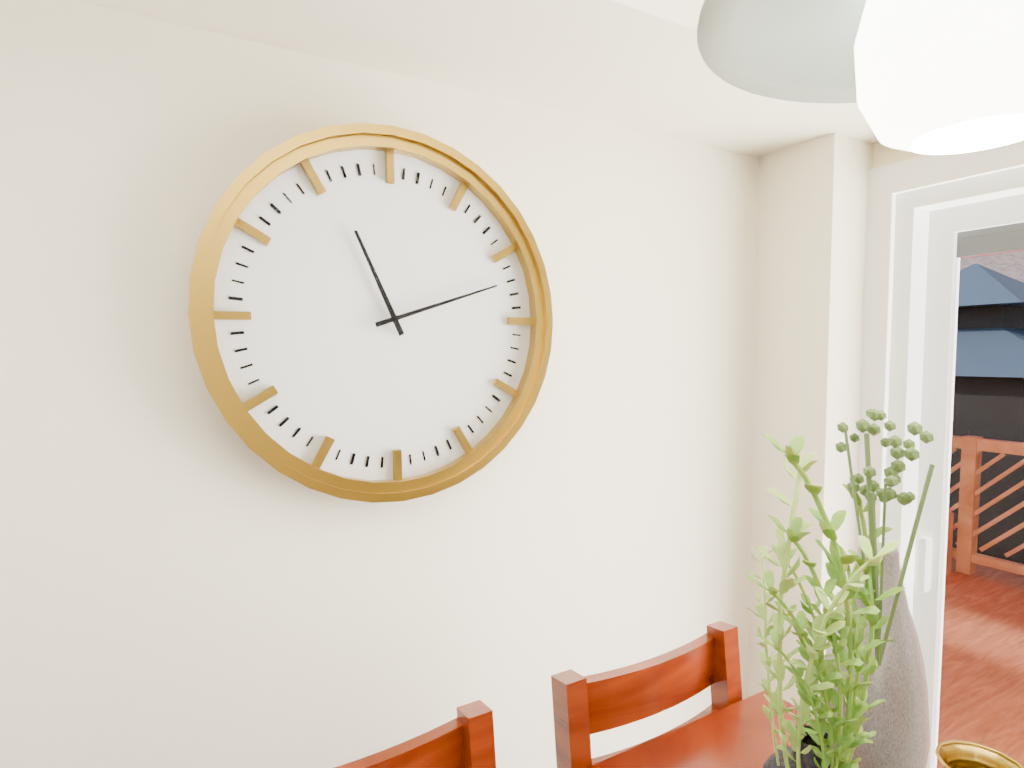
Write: 11:12
